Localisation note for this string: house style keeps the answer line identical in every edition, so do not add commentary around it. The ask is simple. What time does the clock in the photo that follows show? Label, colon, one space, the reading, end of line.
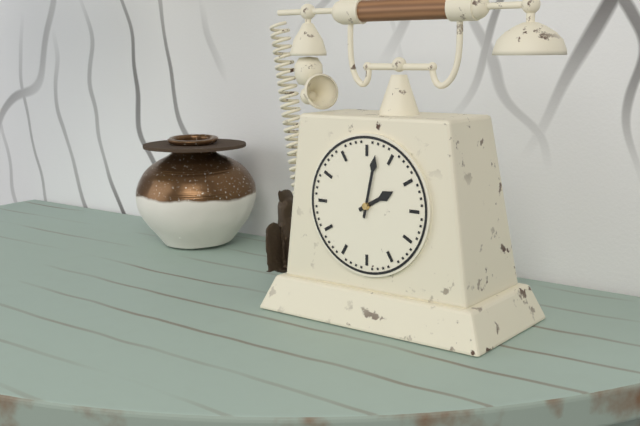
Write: 2:02
